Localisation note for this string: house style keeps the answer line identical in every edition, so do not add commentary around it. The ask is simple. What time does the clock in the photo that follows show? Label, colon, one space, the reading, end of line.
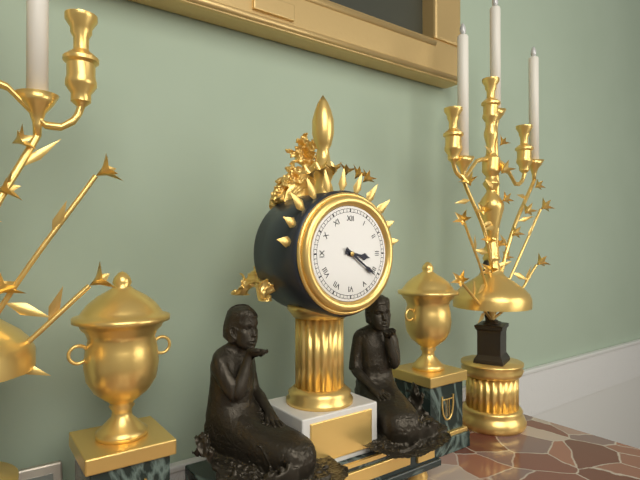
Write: 3:21
